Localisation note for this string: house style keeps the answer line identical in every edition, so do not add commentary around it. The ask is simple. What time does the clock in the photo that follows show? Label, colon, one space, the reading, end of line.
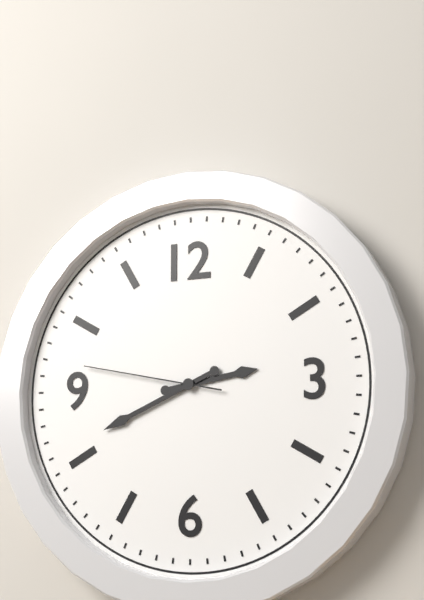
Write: 2:41:47
